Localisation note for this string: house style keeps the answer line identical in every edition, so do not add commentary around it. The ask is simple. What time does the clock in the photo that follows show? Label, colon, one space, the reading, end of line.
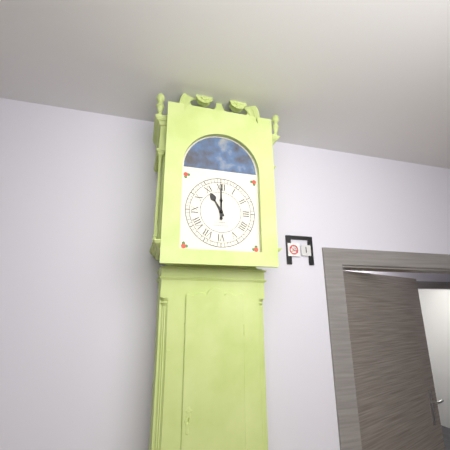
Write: 11:00
